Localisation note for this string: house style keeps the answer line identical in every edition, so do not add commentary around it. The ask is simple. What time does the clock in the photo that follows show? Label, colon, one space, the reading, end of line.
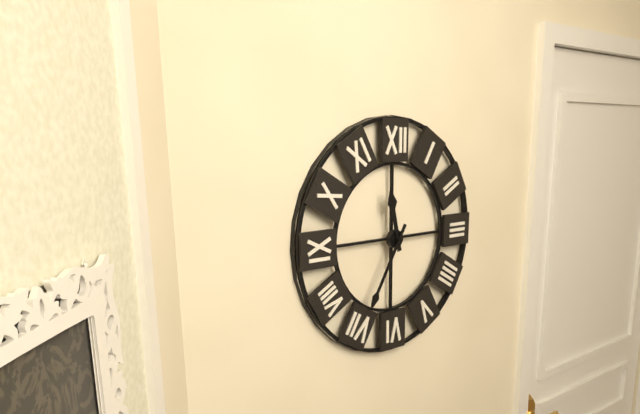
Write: 11:35
